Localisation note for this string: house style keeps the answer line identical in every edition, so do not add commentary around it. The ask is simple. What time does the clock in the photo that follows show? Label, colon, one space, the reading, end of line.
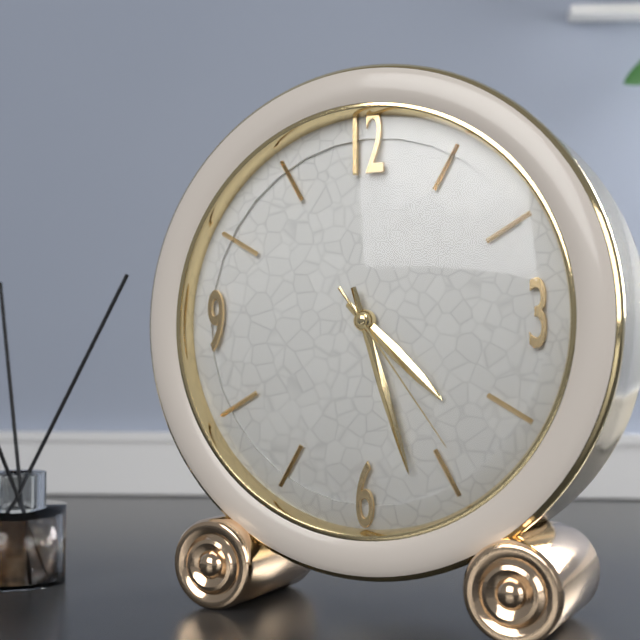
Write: 4:27:24
